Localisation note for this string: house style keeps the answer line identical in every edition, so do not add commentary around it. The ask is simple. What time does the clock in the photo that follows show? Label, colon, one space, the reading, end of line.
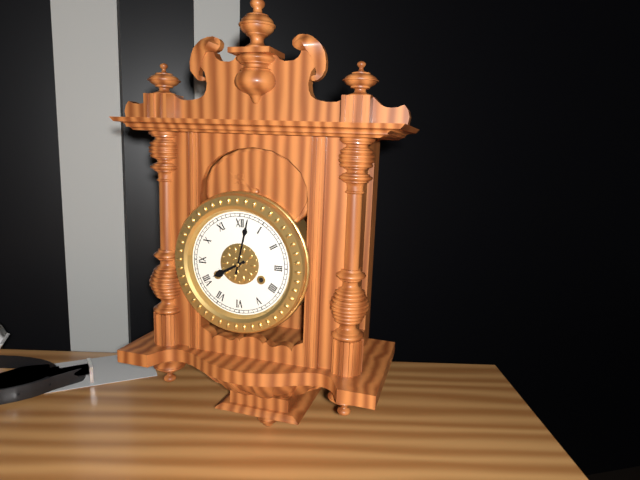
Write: 8:02
